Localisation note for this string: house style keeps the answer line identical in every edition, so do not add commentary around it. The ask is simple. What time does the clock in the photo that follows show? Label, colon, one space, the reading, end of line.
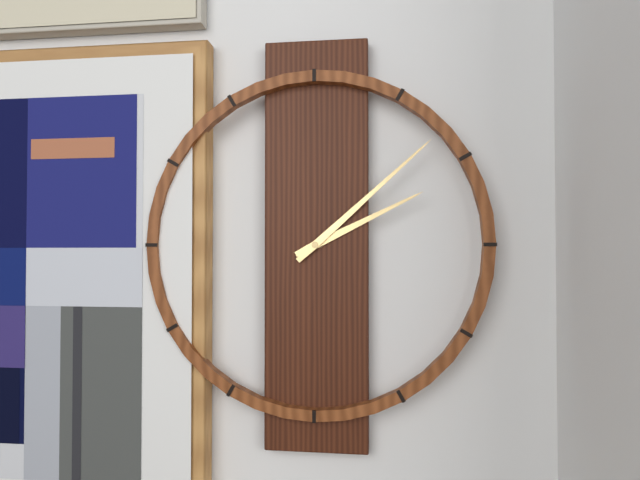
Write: 2:08
